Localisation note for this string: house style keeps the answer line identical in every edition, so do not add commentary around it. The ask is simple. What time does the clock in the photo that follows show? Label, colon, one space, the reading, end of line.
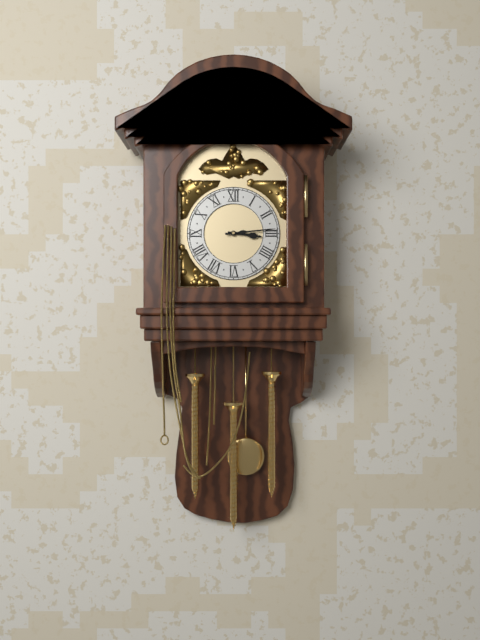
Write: 3:14
